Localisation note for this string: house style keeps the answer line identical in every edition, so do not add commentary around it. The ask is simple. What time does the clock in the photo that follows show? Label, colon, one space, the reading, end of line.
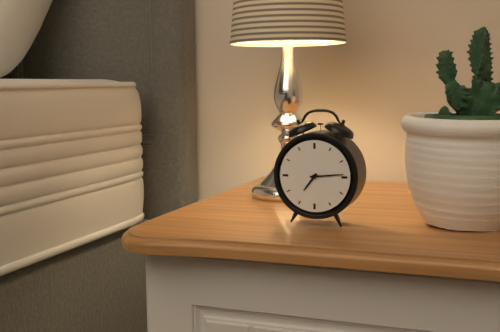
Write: 7:14
